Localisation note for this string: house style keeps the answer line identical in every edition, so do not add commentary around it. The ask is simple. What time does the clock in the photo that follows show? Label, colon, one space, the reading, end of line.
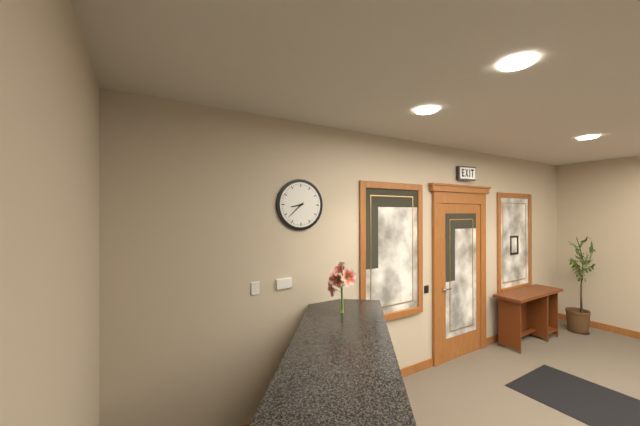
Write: 8:38
